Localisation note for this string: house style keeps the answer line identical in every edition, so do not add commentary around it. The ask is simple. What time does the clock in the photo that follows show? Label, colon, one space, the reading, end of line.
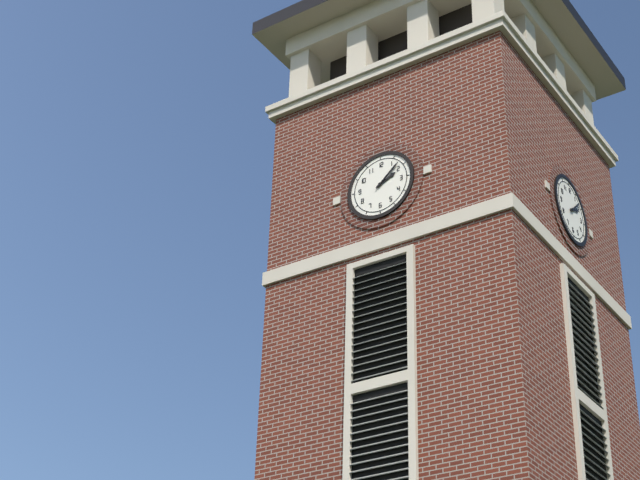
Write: 2:08
